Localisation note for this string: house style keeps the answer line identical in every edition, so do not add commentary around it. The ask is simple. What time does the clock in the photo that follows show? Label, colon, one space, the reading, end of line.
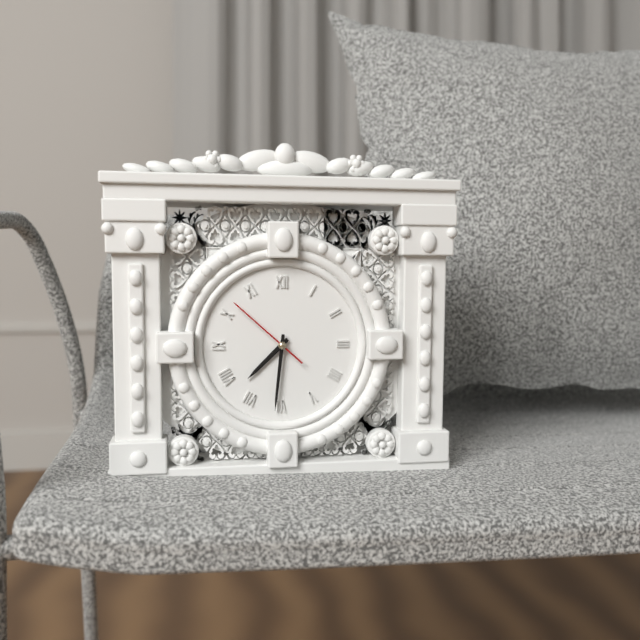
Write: 7:31:52
